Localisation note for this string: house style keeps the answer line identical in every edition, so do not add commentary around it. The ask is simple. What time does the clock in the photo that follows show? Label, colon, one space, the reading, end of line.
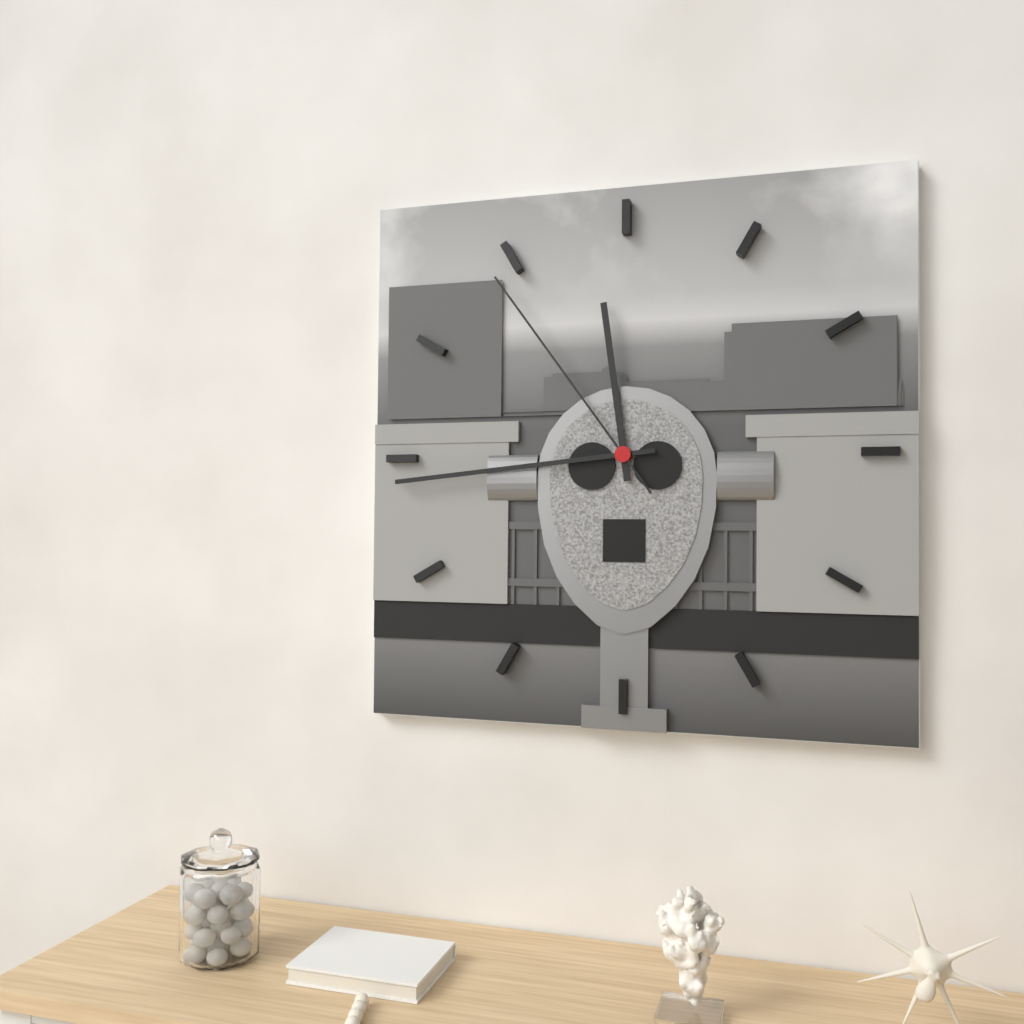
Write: 11:44:54
